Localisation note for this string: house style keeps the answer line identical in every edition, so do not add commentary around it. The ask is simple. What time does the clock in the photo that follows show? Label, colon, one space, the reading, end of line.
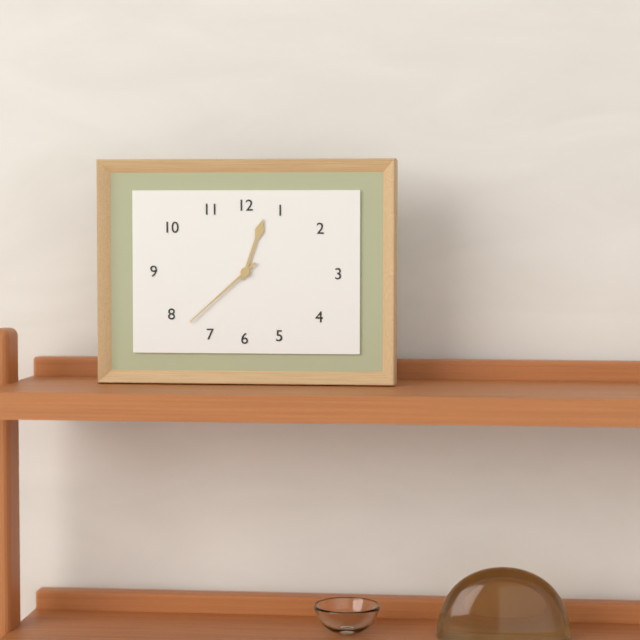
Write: 12:38
